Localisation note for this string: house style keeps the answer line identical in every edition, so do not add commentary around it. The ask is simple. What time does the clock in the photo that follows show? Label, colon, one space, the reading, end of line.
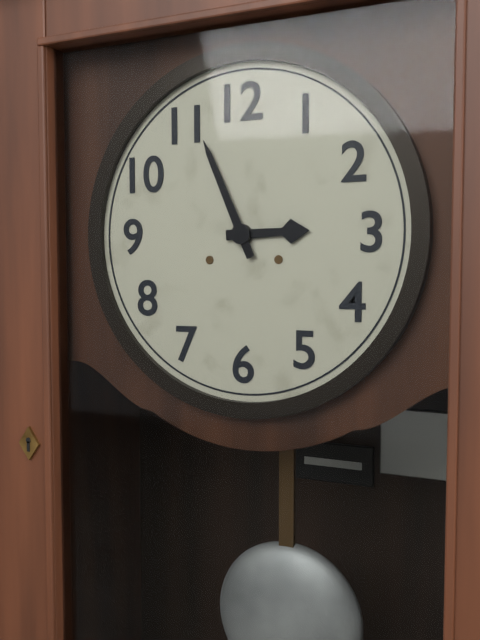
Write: 2:56
